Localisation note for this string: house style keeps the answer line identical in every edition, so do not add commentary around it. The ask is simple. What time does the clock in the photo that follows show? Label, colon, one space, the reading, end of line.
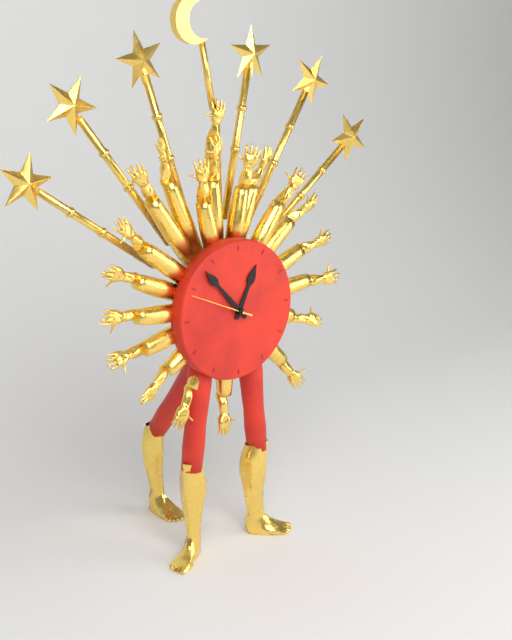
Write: 12:53:49
